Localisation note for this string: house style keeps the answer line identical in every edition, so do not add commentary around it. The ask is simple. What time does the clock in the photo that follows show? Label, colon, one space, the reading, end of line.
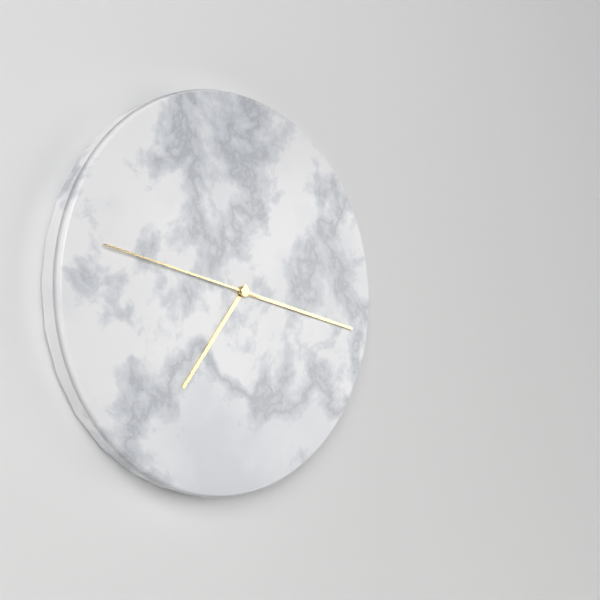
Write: 7:17:47
